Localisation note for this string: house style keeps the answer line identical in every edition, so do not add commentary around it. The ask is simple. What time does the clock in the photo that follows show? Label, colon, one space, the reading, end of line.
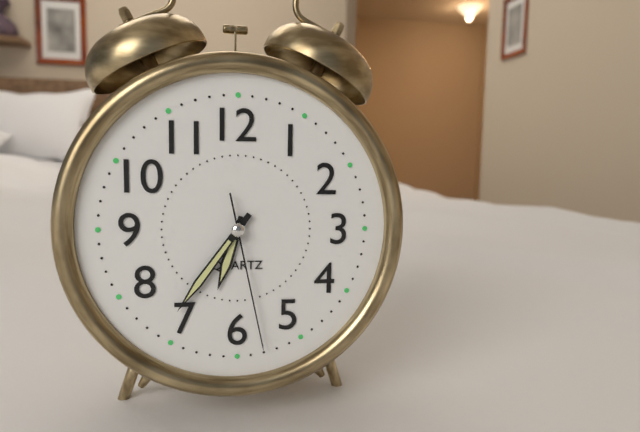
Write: 6:36:28
